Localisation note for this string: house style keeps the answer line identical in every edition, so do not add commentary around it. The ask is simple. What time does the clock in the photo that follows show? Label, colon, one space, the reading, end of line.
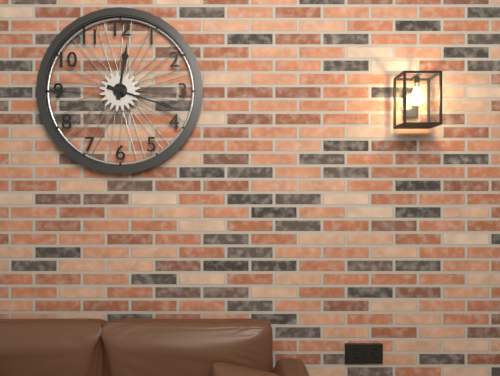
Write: 12:18
